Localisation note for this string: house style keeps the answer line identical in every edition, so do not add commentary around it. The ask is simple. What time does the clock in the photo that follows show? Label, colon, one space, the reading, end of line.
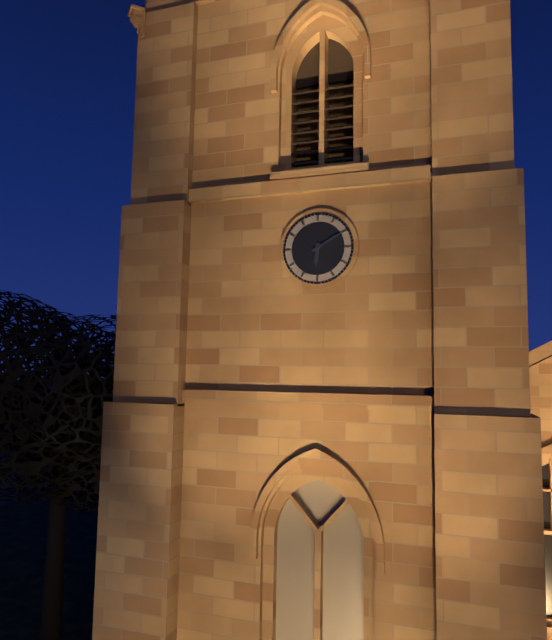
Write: 6:10
